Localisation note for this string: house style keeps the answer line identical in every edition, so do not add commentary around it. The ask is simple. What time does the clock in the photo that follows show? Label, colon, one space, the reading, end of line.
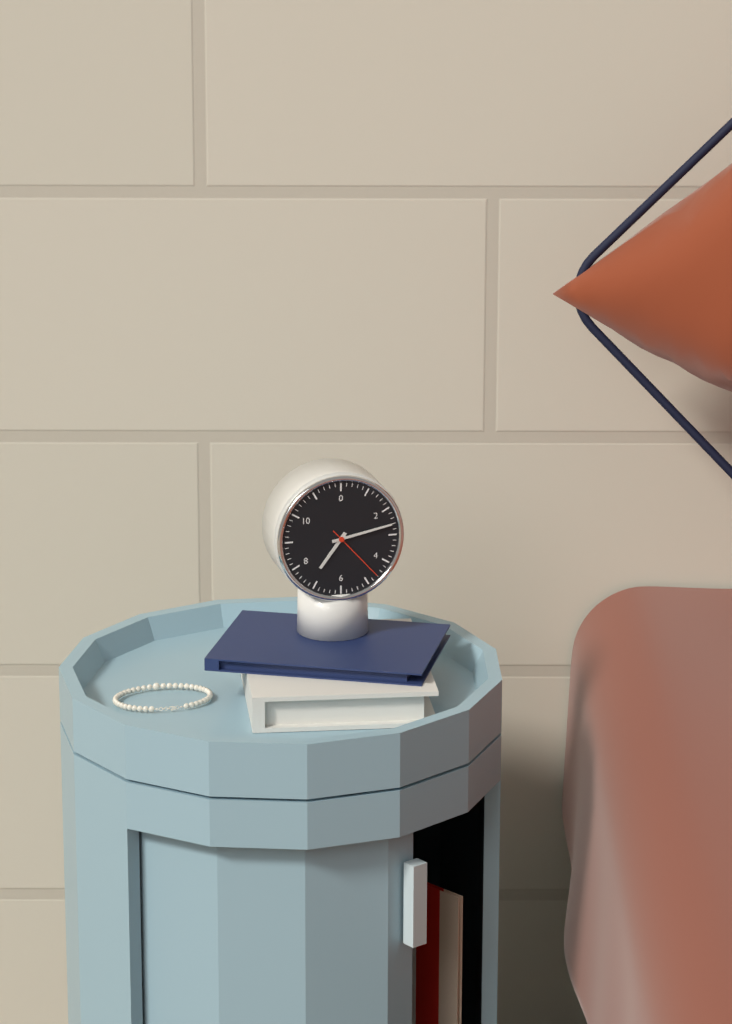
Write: 7:13:23
